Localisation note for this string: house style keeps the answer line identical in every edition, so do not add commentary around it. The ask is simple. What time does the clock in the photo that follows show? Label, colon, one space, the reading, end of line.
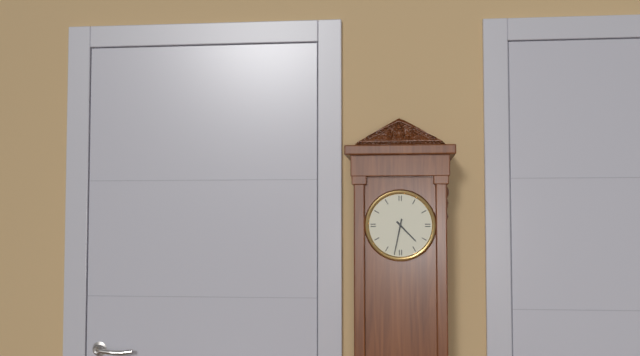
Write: 4:32
